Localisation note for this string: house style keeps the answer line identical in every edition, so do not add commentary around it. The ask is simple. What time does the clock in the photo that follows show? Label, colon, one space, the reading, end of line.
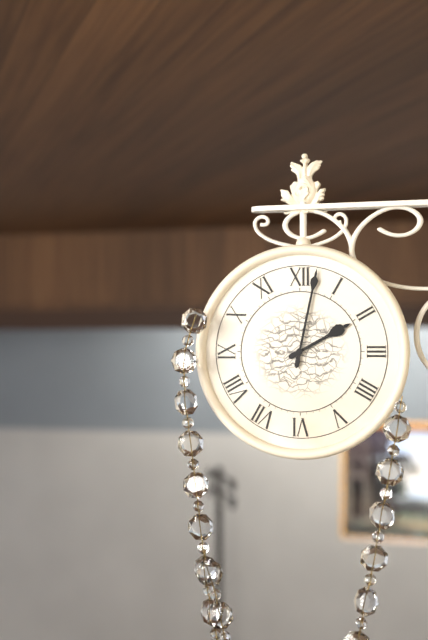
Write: 2:02
